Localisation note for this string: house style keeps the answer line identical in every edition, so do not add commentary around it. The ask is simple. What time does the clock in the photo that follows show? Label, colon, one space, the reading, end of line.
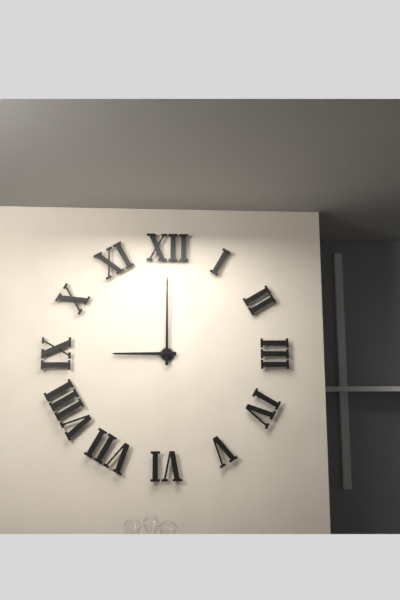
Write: 9:00
